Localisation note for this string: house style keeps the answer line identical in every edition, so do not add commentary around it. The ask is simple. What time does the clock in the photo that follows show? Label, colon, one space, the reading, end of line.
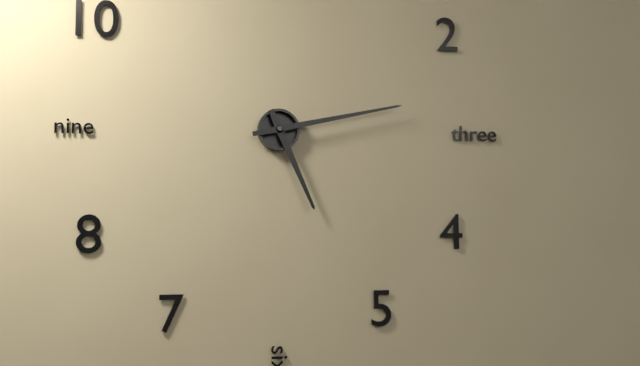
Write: 5:13
